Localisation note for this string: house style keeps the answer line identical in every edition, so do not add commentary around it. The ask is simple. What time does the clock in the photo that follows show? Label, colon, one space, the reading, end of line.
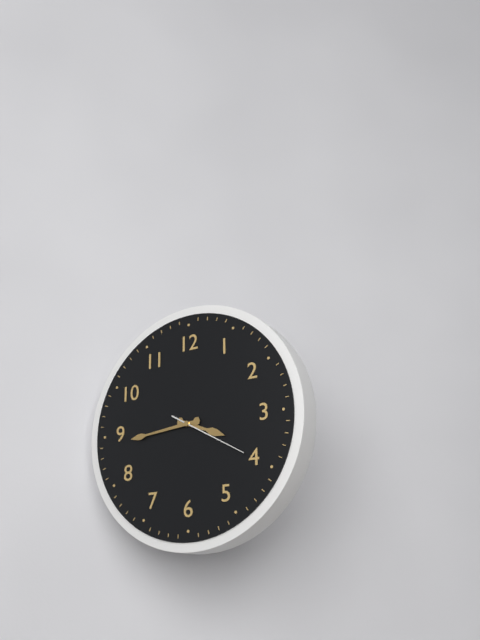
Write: 3:44:20
